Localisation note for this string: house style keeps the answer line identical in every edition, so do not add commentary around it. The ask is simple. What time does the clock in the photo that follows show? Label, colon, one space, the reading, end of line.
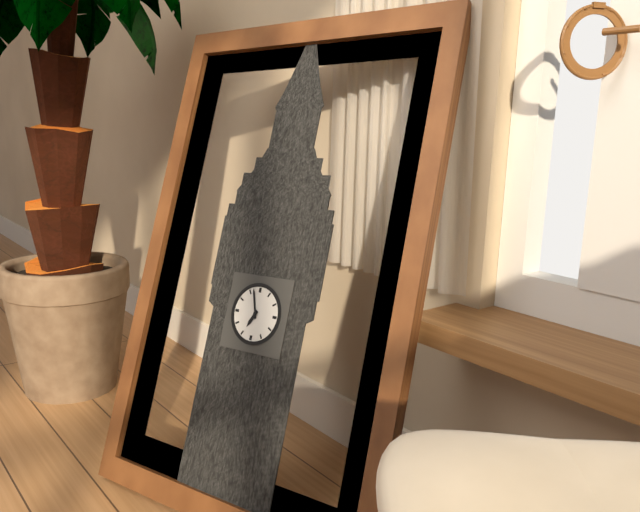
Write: 6:57
